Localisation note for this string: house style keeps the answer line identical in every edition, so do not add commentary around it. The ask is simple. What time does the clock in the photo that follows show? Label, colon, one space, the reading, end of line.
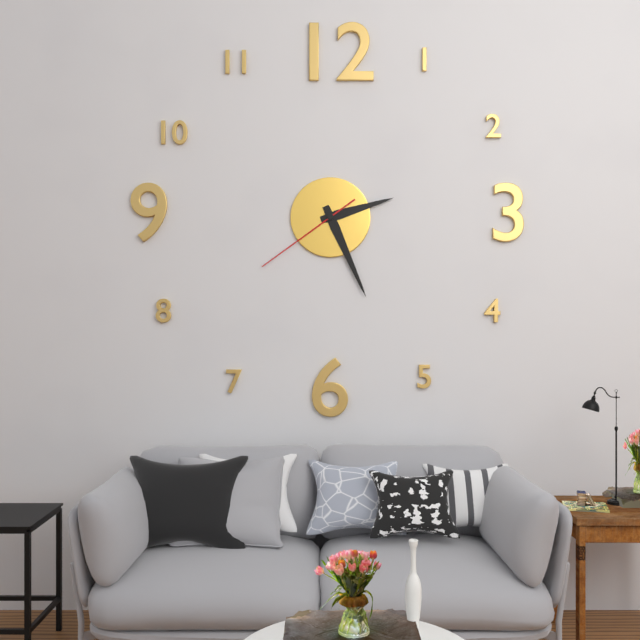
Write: 2:26:39
